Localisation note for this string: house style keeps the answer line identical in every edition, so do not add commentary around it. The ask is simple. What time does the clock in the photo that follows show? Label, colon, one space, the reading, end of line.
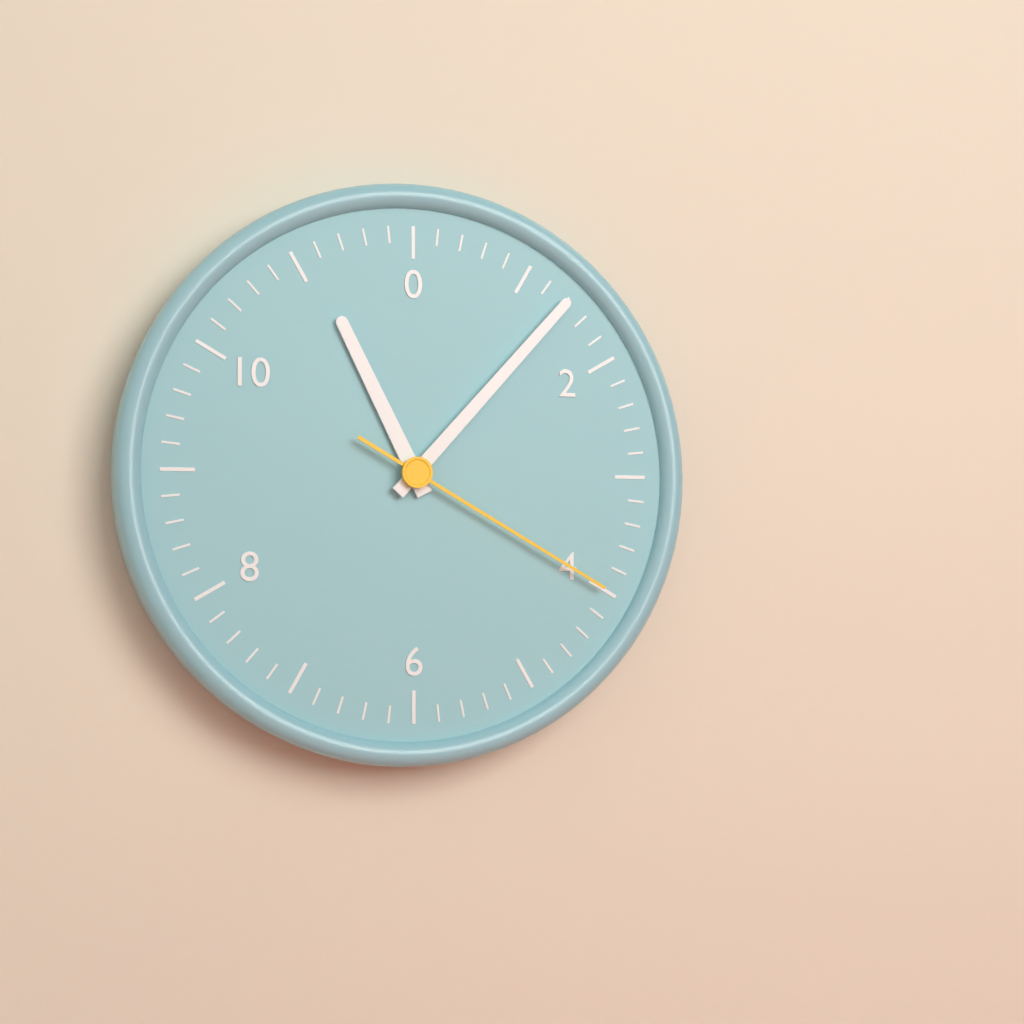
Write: 11:07:20
